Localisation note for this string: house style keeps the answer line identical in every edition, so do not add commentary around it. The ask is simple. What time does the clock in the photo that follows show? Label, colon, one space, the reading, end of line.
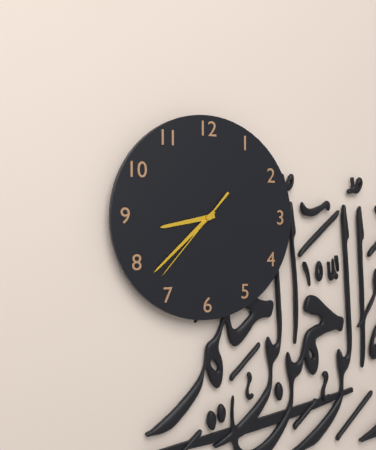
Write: 8:38:37
